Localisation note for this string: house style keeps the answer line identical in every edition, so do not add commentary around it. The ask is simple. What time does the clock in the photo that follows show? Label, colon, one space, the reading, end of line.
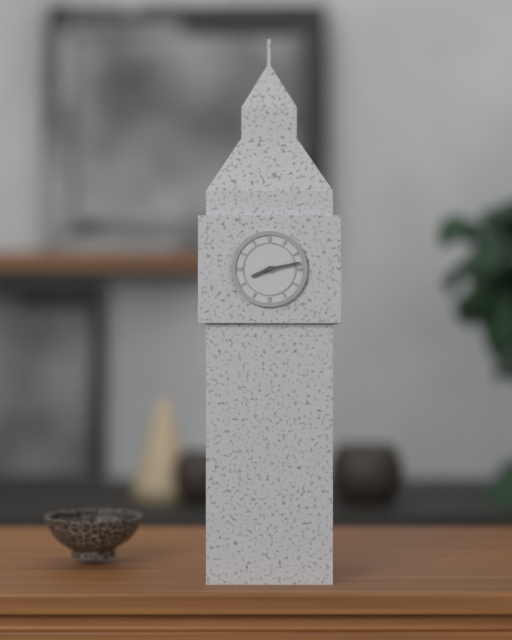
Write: 8:13
